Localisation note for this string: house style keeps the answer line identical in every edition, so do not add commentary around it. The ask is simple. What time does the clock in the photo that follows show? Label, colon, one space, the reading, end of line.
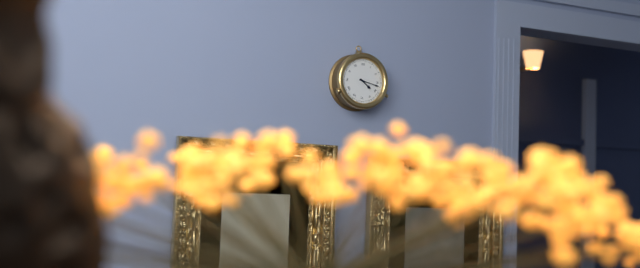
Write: 4:17
